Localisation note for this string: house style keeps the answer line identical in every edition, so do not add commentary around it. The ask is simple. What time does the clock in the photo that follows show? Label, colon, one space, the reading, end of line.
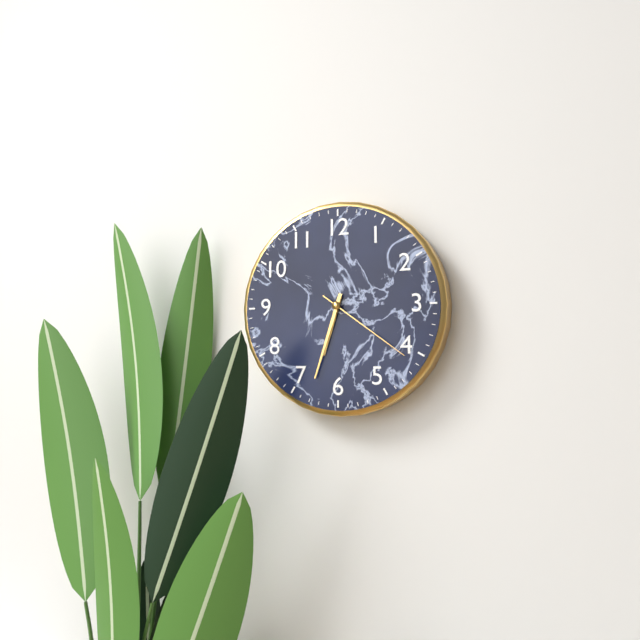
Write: 6:33:21
